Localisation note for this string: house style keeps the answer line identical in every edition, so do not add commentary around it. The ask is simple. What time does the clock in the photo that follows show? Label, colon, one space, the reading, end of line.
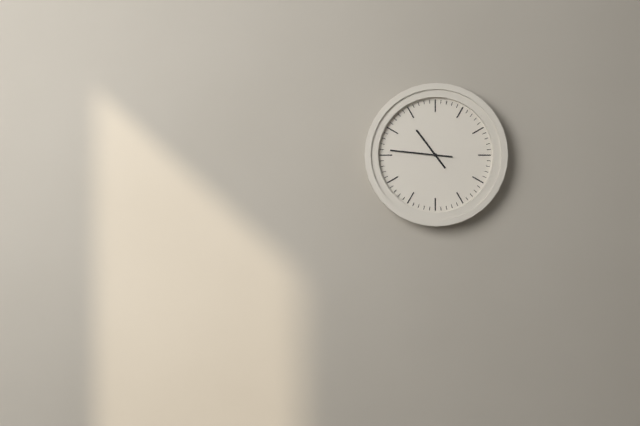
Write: 10:46
